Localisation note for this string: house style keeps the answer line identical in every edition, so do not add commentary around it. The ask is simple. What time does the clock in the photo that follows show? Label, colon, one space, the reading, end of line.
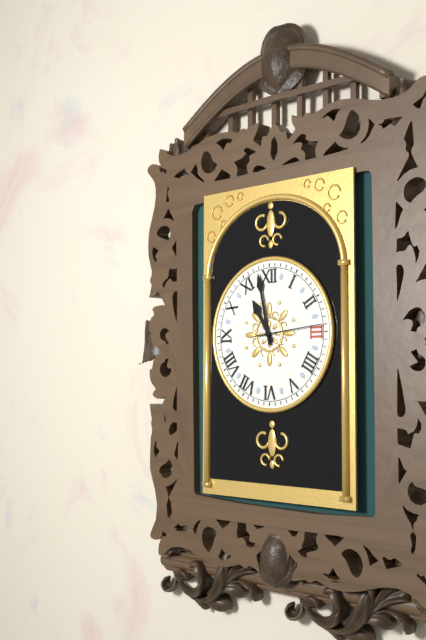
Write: 10:58:14
